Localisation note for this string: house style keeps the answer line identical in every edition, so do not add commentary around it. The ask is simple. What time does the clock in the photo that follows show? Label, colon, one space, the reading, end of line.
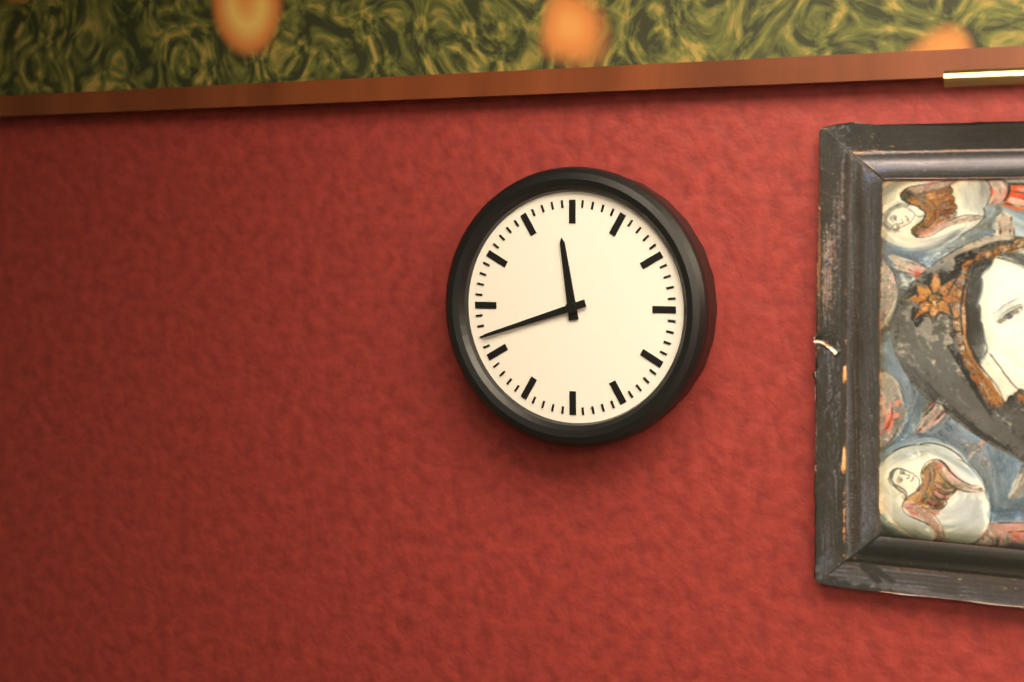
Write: 11:42
